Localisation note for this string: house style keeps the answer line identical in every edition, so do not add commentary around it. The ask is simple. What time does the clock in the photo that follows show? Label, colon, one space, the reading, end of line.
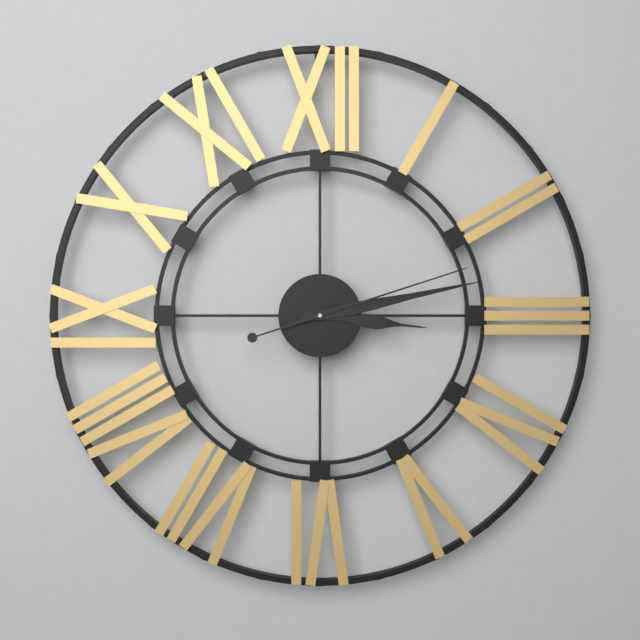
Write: 3:13:12
